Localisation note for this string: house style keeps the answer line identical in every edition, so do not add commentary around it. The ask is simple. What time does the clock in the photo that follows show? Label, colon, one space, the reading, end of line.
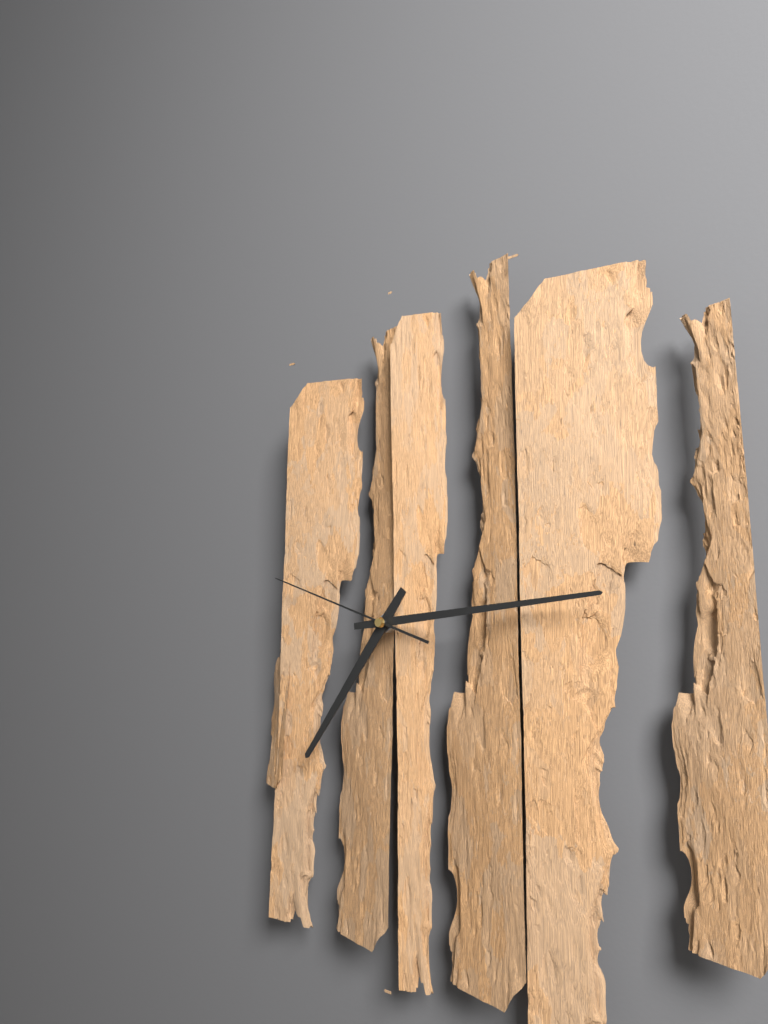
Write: 7:14:48
